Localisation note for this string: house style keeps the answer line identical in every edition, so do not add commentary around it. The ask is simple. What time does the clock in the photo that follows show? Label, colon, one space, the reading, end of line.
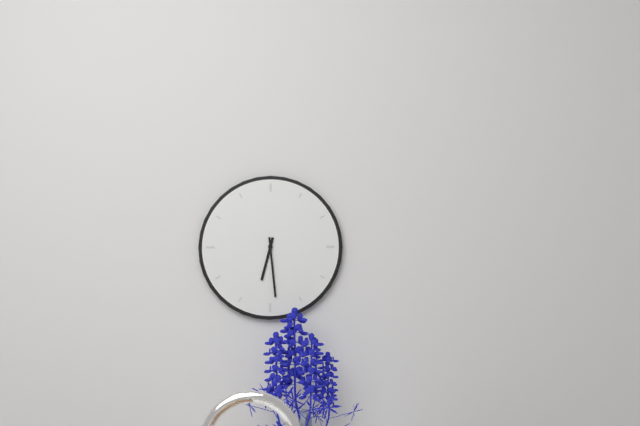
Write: 6:29
